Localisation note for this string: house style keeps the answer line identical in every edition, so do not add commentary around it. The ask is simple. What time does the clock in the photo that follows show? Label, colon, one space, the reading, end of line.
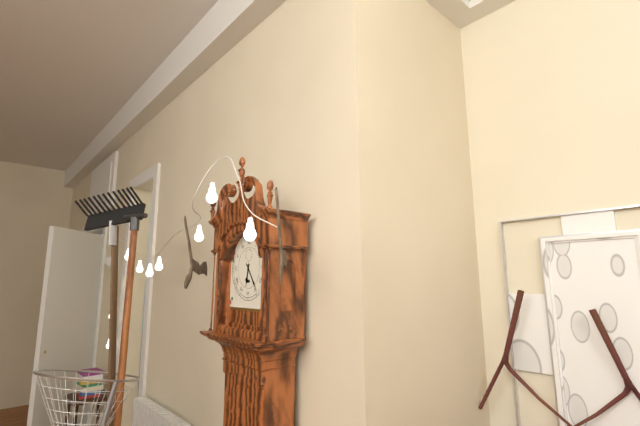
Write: 6:24
